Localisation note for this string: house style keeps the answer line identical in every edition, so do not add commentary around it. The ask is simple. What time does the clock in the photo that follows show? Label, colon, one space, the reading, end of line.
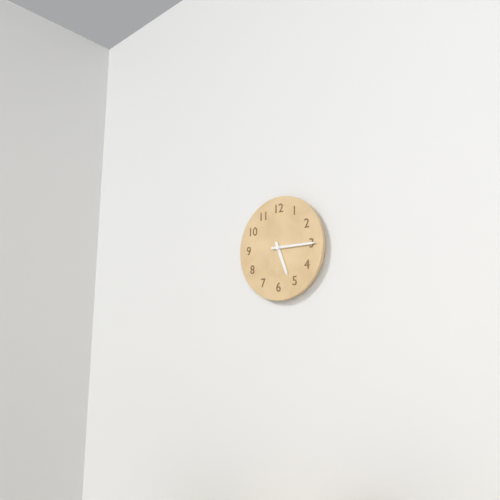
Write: 5:15
